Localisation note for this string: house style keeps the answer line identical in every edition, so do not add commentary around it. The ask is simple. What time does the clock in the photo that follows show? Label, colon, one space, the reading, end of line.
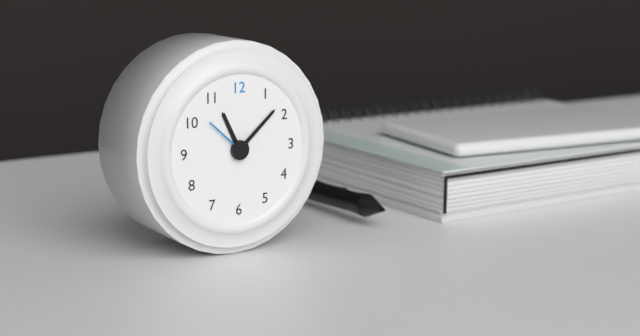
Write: 11:08:52
